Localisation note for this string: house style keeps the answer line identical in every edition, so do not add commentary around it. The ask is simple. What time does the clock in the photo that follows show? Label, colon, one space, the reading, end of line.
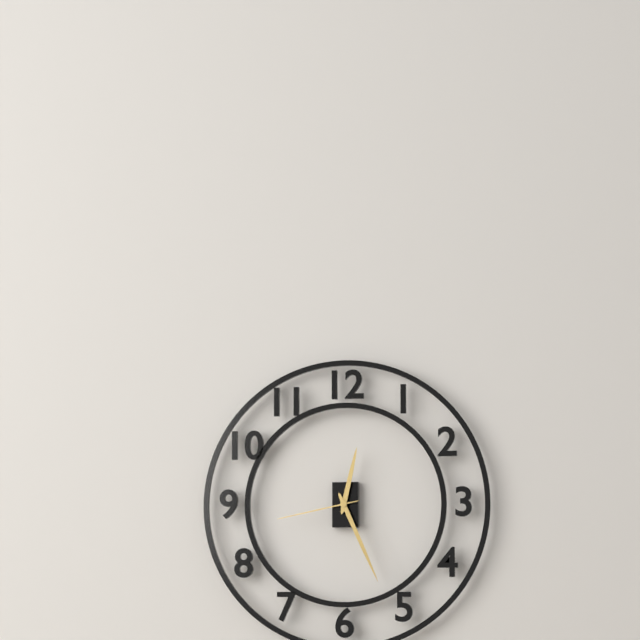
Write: 12:26:43
